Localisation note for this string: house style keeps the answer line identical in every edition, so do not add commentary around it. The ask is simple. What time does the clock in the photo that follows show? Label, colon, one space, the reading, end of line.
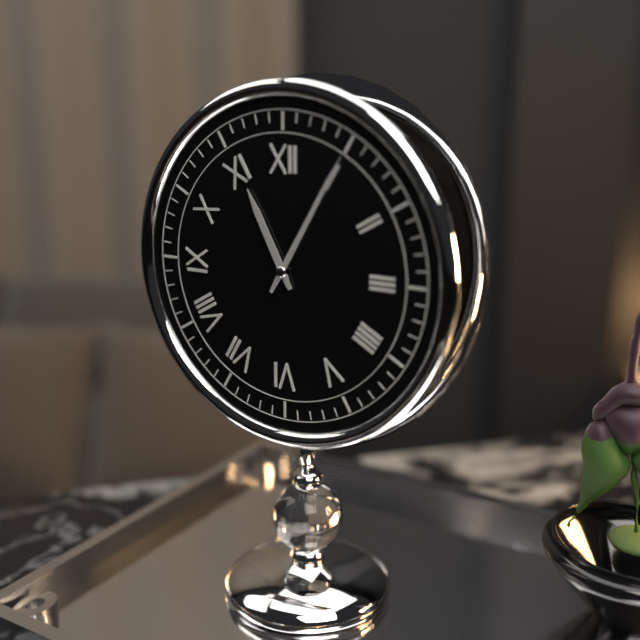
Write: 11:05
